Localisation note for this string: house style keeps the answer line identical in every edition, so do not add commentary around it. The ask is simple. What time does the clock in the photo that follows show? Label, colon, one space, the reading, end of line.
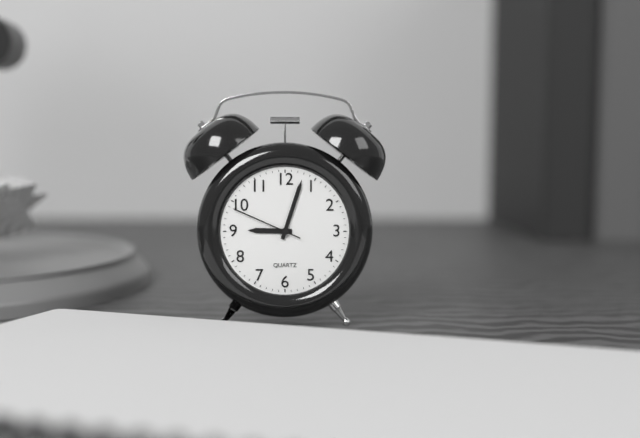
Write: 9:03:49
